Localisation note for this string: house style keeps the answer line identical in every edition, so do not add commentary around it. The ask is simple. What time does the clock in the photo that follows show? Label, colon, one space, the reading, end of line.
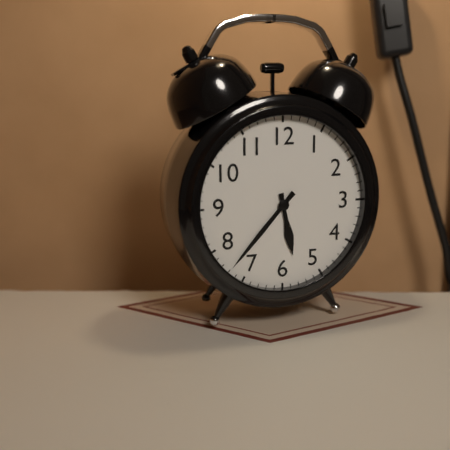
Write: 5:37
